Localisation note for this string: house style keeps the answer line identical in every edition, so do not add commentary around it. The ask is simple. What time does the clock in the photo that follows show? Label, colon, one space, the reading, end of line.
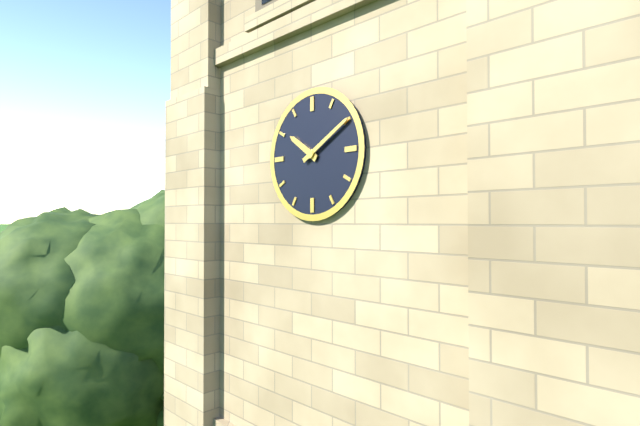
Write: 10:10
